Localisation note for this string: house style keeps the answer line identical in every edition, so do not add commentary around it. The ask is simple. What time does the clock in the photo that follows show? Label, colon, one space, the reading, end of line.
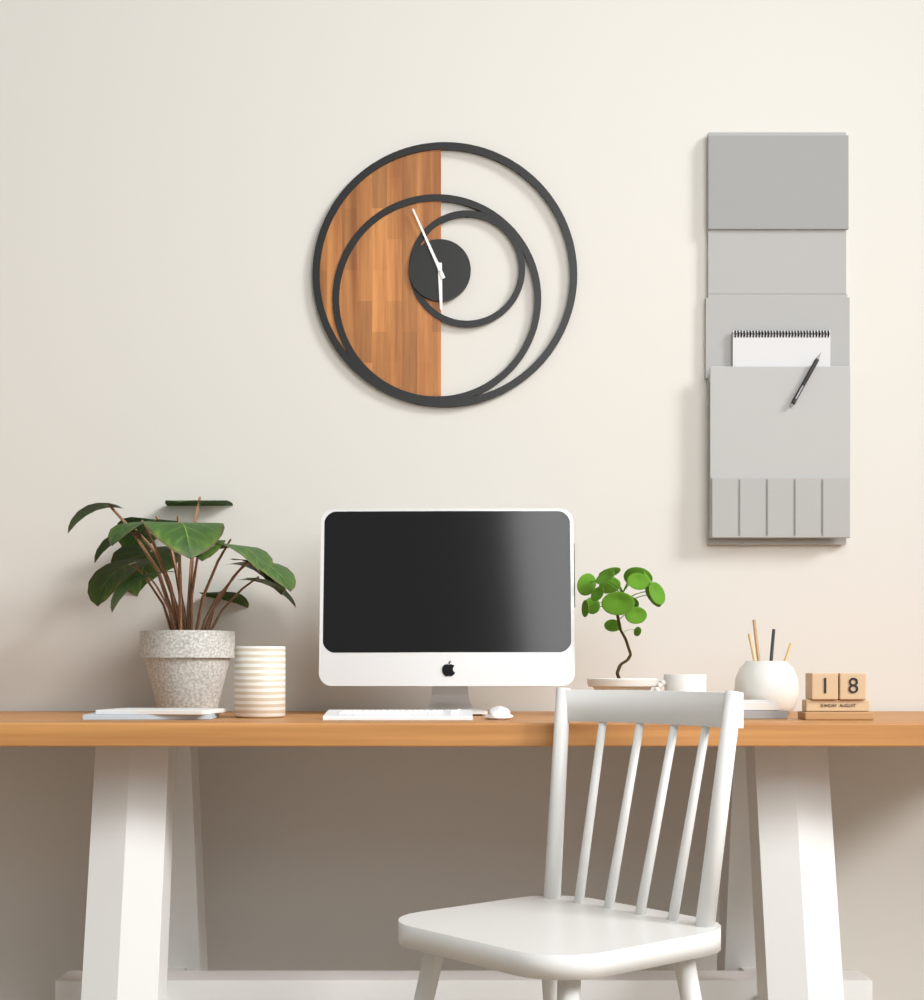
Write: 5:56
